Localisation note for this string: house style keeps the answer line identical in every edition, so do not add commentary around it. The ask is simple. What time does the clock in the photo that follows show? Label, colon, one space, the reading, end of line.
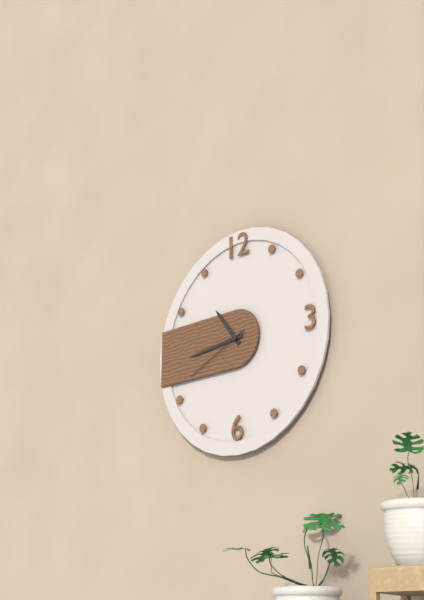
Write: 10:44:41
